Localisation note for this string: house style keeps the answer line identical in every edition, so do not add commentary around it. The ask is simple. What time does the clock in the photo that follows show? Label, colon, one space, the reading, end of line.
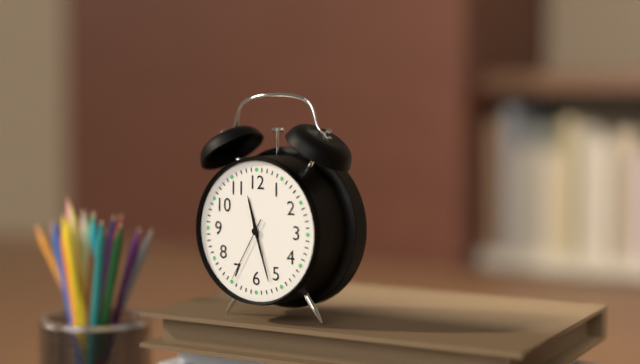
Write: 11:27:35
